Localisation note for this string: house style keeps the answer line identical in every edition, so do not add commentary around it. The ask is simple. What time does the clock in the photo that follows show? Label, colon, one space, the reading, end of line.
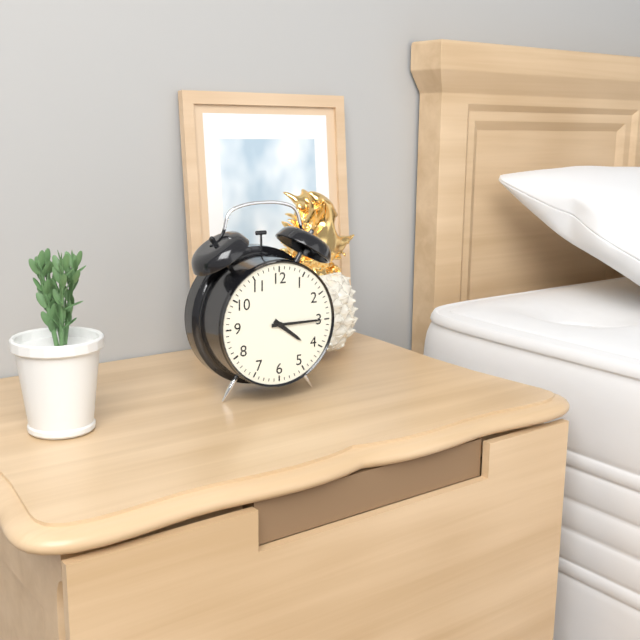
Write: 4:15
